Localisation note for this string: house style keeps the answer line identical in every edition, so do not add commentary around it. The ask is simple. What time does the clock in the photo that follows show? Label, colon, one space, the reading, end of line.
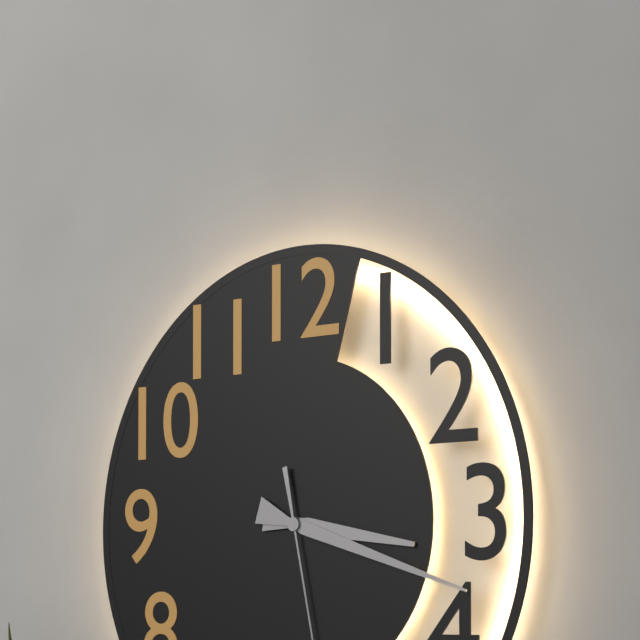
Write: 3:18
